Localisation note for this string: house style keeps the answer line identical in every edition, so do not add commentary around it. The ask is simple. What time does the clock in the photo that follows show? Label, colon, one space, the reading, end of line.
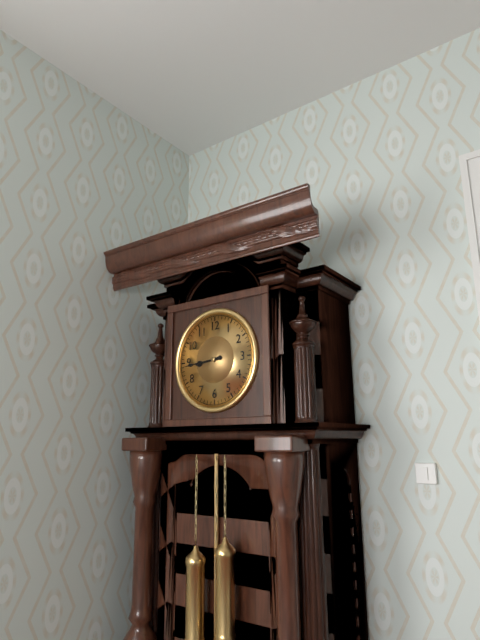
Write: 8:44
